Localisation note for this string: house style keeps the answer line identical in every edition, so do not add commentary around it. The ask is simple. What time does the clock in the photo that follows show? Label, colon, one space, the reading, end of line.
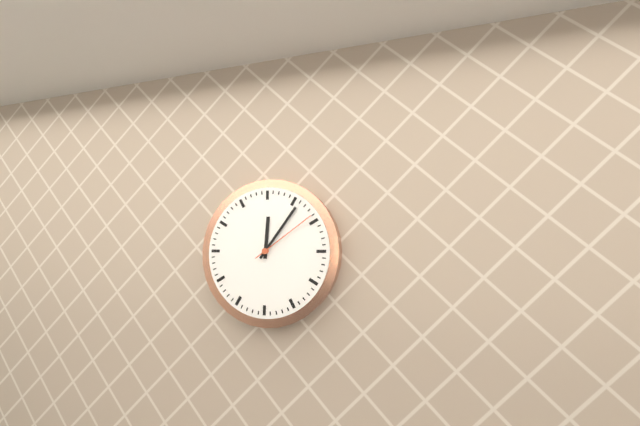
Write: 12:06:09
